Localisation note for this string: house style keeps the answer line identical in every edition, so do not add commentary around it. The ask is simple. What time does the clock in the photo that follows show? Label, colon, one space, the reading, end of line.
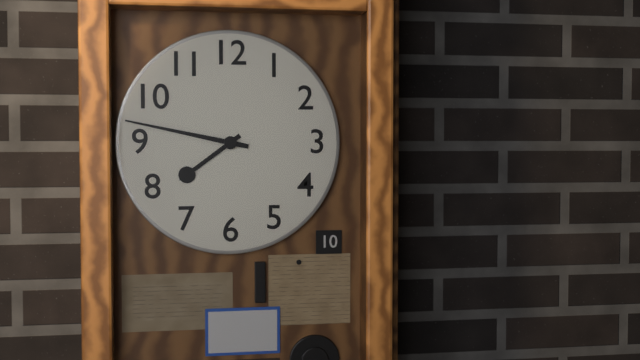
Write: 7:47
